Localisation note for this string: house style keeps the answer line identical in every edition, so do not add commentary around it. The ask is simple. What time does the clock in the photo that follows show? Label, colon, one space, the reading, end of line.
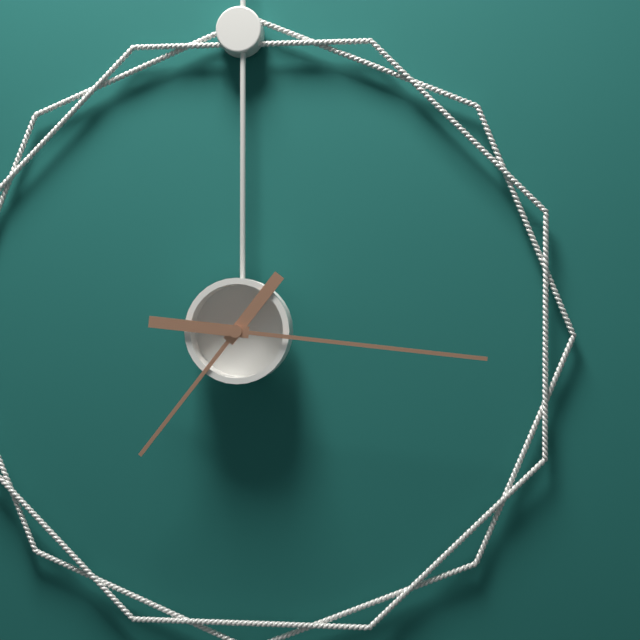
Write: 7:16
